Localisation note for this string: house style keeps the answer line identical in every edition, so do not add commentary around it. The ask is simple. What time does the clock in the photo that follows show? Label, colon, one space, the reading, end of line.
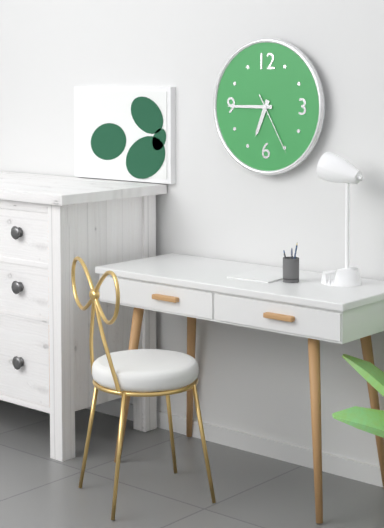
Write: 6:45:25
